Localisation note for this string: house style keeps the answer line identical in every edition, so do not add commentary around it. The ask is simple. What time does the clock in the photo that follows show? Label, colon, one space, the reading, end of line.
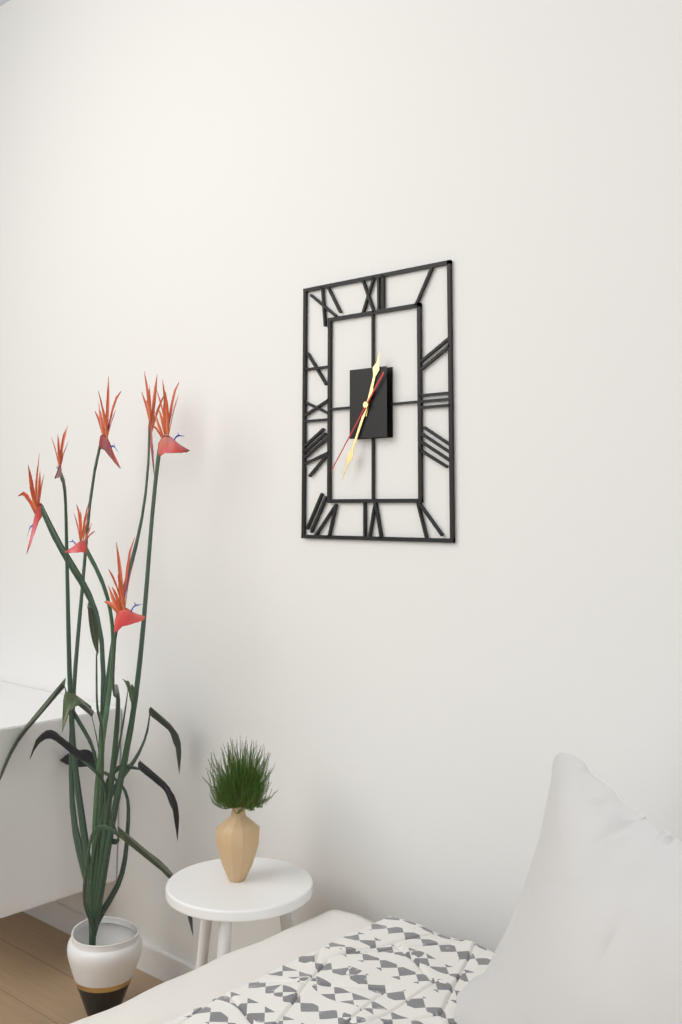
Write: 12:34:36
